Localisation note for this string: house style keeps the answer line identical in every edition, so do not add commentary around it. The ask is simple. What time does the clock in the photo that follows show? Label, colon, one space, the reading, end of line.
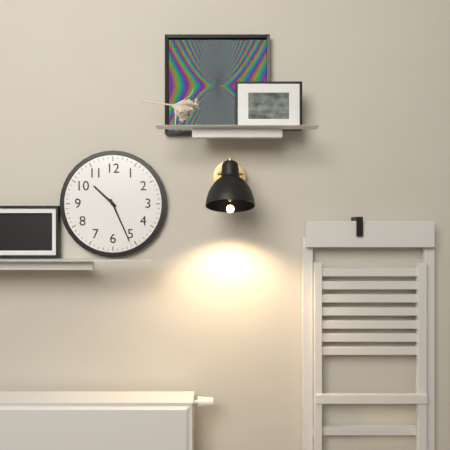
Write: 10:26
